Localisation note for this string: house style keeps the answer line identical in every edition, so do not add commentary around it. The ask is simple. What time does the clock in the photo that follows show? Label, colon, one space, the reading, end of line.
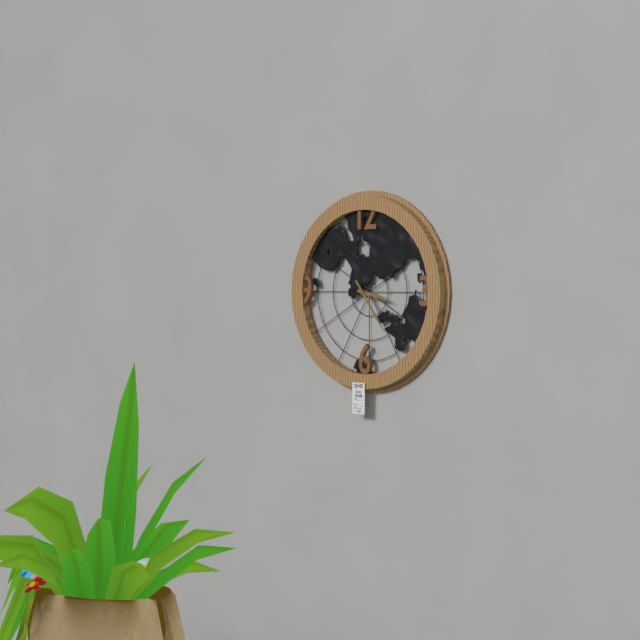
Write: 3:24
